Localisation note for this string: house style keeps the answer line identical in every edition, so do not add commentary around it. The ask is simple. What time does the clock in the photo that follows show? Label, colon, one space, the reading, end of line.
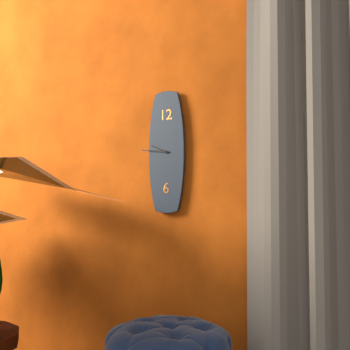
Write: 9:46
